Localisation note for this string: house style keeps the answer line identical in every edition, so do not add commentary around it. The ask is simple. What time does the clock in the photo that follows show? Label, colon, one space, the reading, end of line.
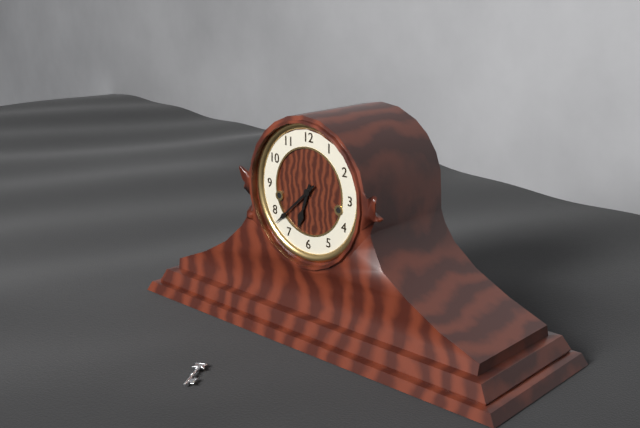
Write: 6:38
